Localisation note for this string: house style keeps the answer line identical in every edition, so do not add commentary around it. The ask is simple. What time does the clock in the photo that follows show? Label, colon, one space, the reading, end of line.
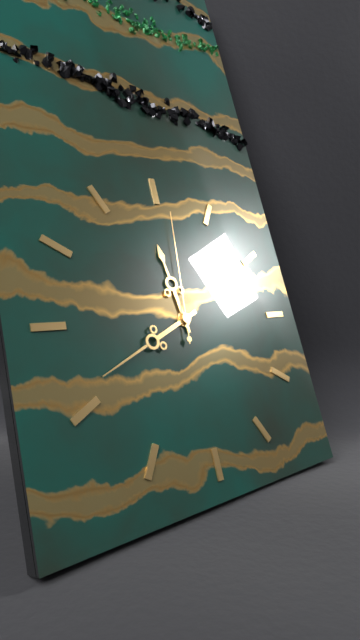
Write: 11:41:01
